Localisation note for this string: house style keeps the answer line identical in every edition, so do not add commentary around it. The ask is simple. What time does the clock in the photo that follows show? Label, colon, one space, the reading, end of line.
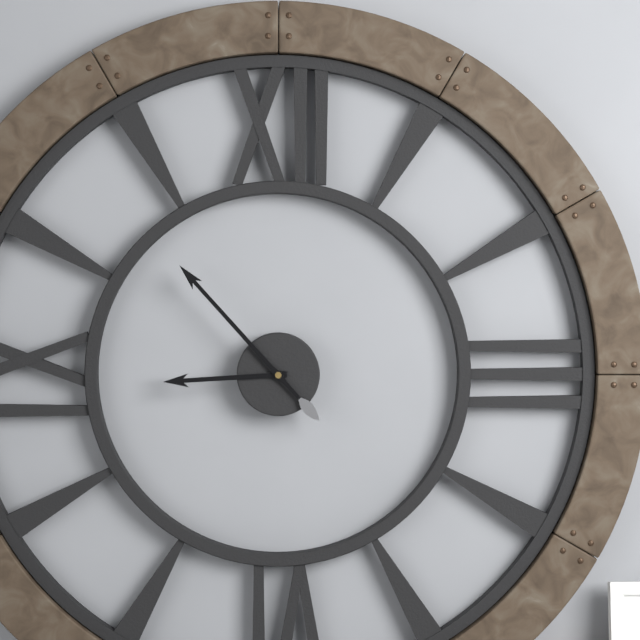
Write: 8:53
